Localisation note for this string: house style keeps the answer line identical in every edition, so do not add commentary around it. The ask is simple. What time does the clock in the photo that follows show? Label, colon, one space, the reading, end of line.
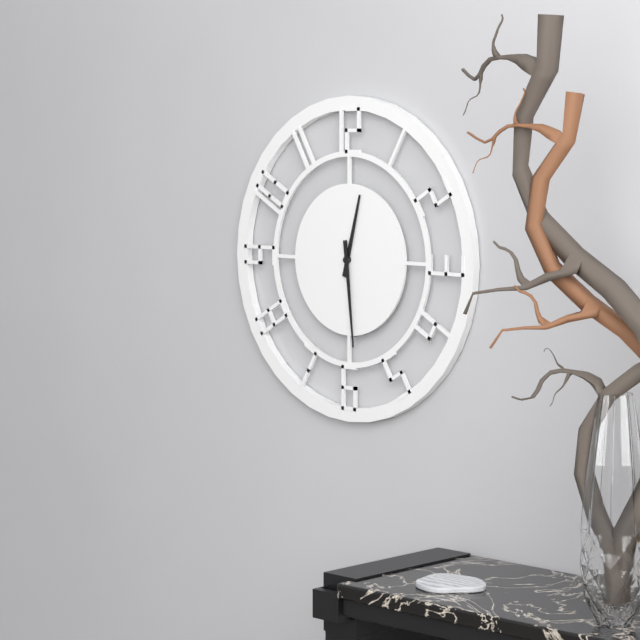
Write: 12:29
